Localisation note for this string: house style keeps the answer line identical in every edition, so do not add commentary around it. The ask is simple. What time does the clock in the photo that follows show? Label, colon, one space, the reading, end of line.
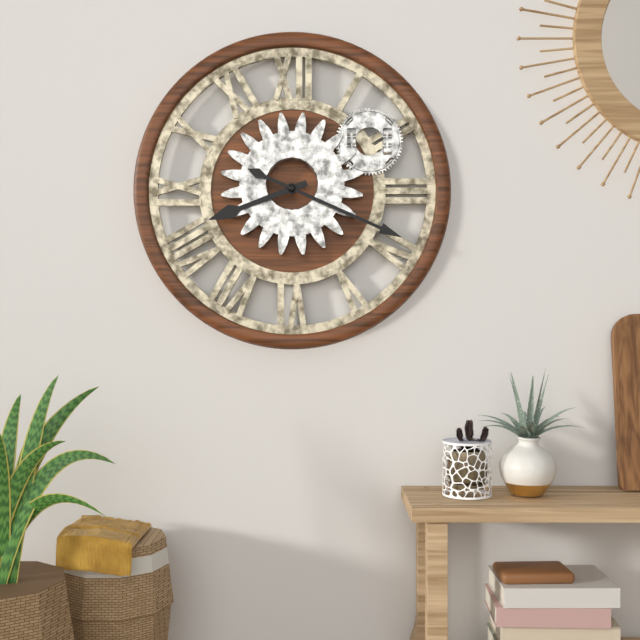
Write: 8:19
